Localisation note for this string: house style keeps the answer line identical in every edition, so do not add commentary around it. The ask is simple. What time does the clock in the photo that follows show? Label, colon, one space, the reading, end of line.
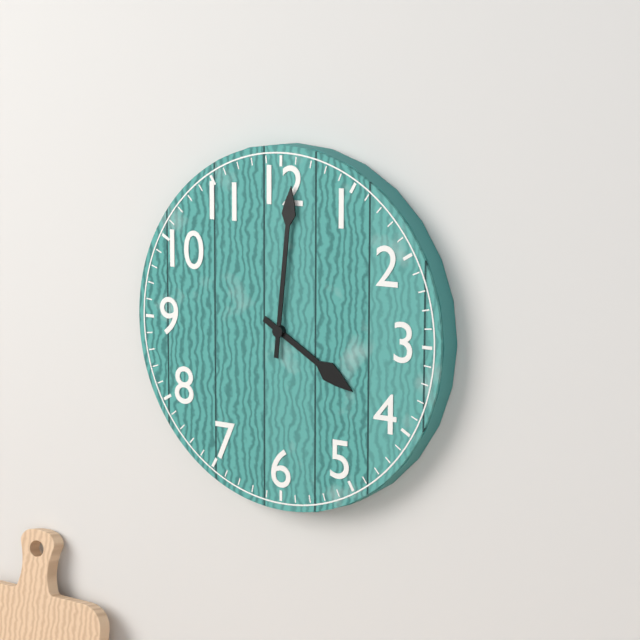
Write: 4:01
